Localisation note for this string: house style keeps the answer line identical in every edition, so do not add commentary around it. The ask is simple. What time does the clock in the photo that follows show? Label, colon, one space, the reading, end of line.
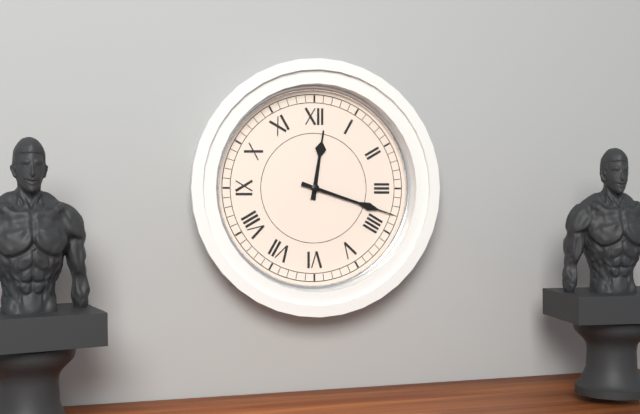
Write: 12:18
